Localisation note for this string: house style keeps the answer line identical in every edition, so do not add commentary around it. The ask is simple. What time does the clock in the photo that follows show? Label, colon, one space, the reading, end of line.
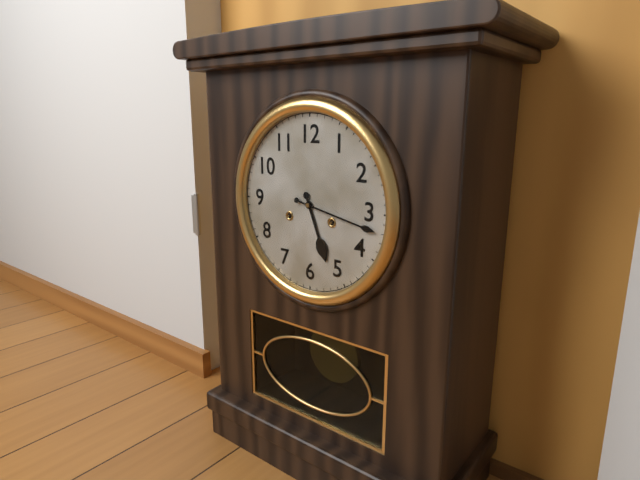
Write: 5:17
